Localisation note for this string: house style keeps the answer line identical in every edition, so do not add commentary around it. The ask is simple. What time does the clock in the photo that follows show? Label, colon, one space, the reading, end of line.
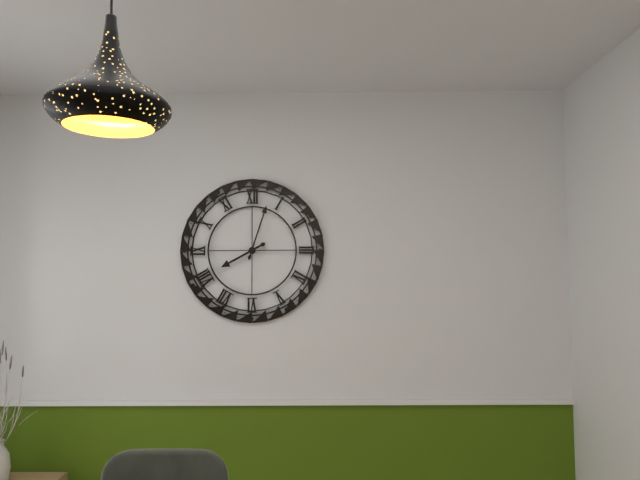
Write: 8:03
